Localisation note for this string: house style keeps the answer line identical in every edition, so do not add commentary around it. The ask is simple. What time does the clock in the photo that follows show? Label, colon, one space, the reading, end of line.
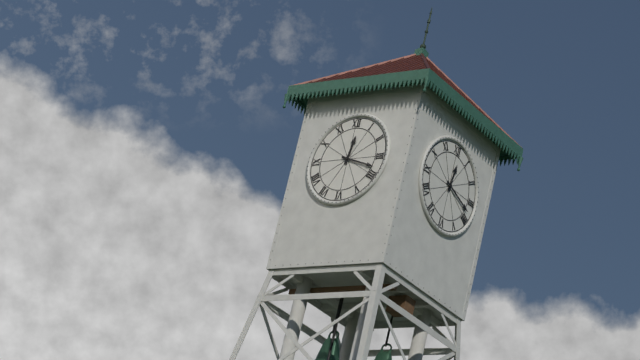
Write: 12:18
